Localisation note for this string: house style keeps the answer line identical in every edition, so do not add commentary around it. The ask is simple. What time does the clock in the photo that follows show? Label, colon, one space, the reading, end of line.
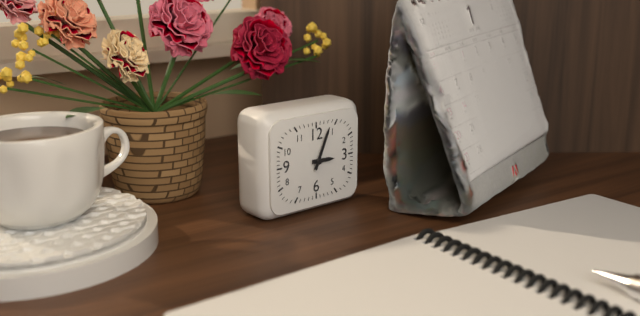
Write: 3:04
